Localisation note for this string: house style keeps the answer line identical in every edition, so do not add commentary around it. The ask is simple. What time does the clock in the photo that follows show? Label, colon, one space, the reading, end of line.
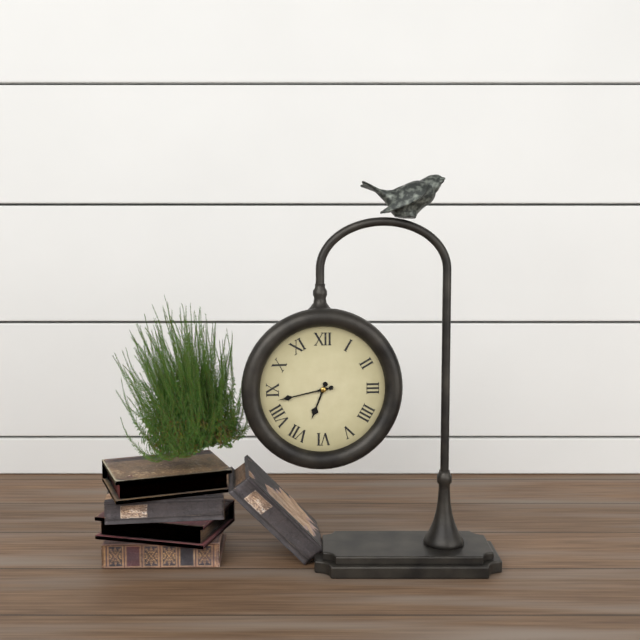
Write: 6:43
